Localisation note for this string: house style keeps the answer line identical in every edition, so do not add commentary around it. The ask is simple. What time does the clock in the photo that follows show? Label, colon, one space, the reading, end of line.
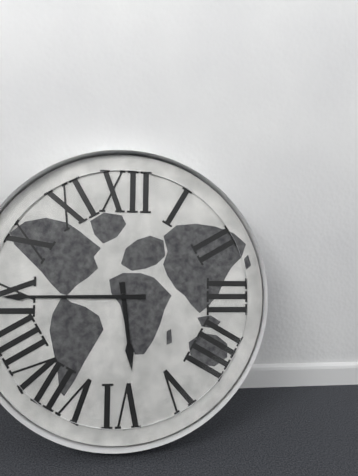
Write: 5:45
